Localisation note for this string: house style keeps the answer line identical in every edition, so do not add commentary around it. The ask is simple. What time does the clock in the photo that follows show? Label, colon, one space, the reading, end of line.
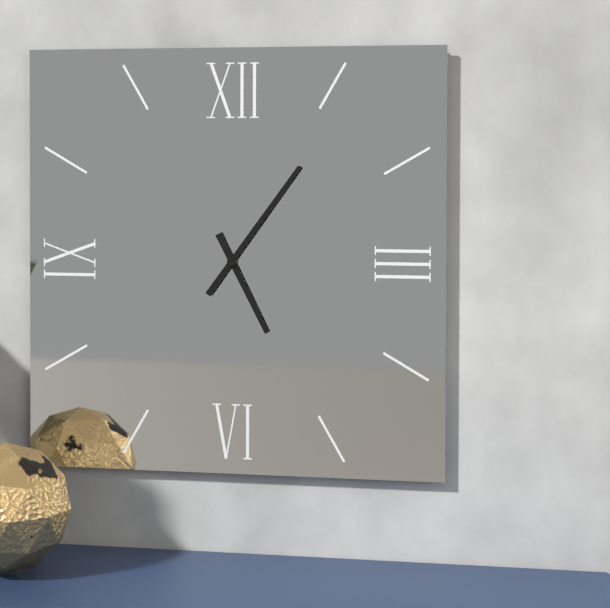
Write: 5:06
